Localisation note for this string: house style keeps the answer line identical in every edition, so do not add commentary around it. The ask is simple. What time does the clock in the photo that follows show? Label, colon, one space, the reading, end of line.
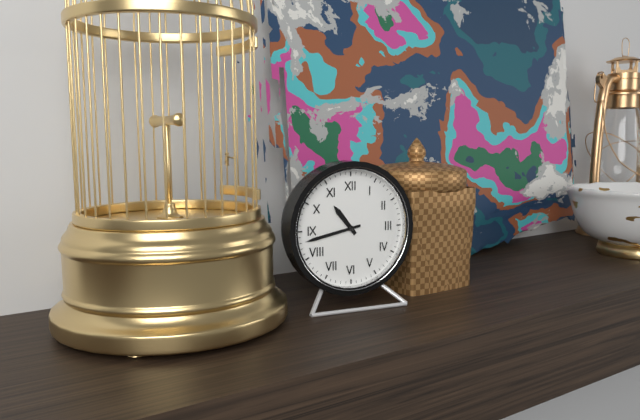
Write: 10:43
